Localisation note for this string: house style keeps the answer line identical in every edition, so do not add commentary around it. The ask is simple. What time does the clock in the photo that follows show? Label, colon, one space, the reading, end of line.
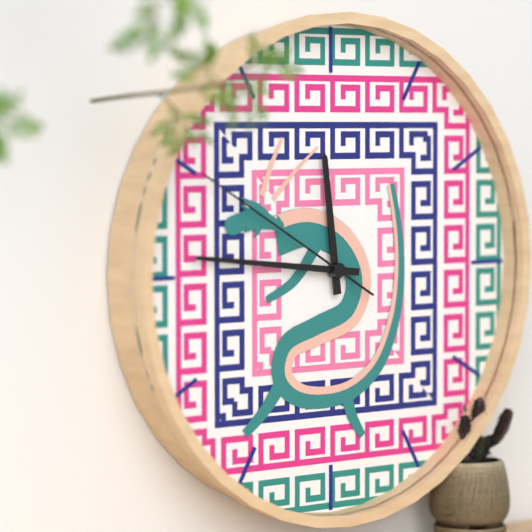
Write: 11:46:50
